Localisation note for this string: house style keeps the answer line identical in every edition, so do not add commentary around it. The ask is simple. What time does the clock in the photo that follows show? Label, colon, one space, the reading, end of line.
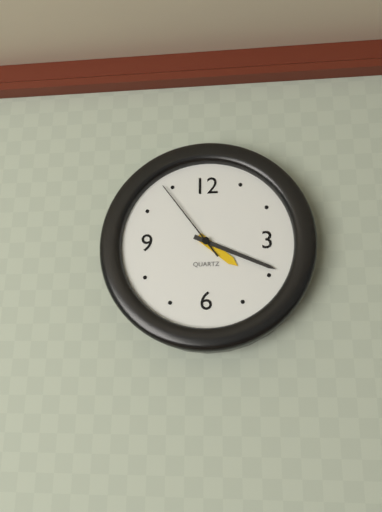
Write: 4:19:54
